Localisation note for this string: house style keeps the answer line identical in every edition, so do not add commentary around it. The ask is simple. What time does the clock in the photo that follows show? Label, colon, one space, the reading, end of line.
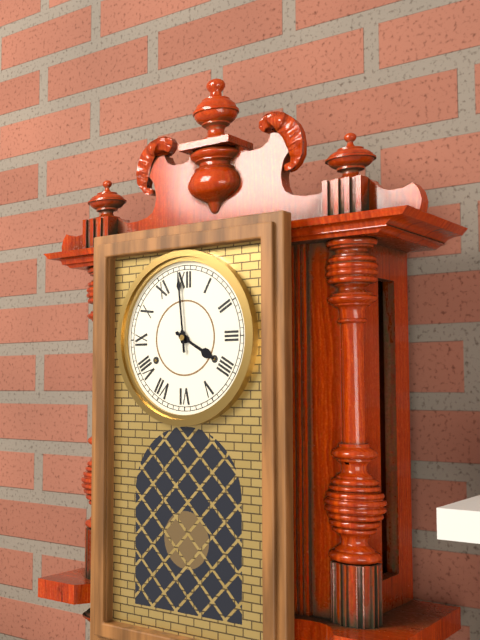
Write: 3:59
